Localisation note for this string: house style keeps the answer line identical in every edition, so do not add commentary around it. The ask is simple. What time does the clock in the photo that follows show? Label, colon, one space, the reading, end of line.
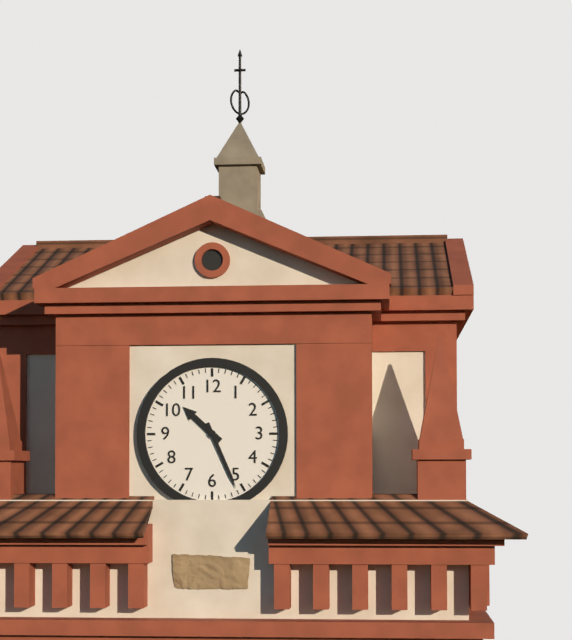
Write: 10:26
